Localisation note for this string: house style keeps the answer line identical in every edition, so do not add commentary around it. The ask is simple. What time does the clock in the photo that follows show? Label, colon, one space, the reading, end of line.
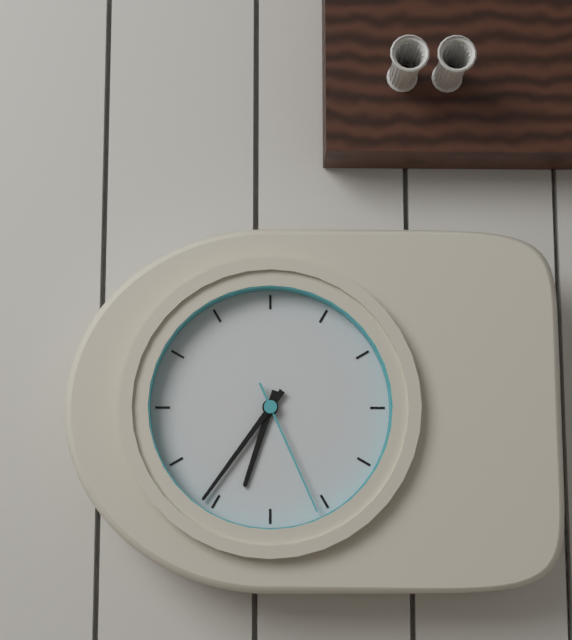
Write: 6:36:26
